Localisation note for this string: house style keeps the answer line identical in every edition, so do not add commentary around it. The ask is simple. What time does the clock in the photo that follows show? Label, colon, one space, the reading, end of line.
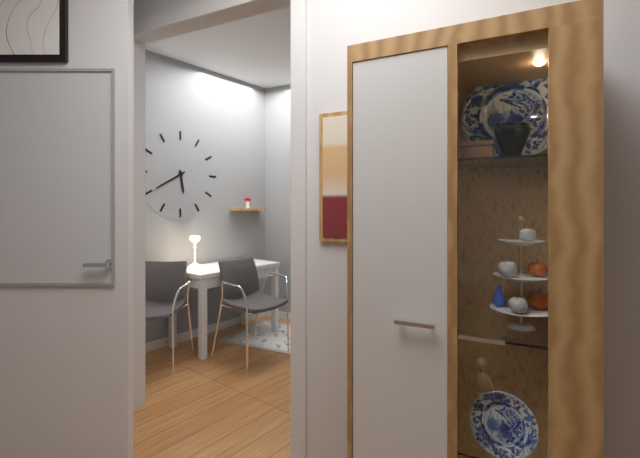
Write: 5:40
